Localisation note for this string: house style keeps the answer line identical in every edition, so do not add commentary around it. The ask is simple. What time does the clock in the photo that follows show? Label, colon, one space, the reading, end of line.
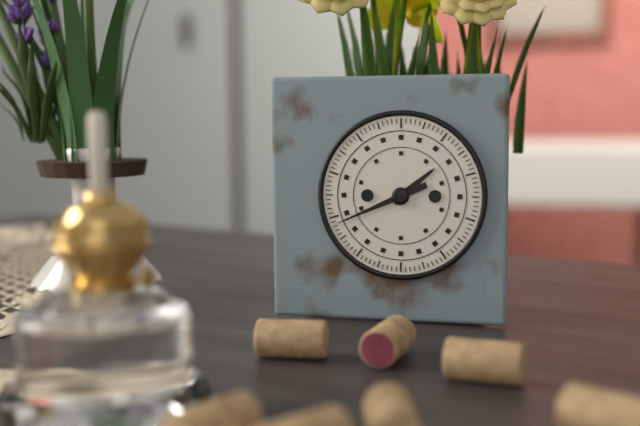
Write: 1:41
